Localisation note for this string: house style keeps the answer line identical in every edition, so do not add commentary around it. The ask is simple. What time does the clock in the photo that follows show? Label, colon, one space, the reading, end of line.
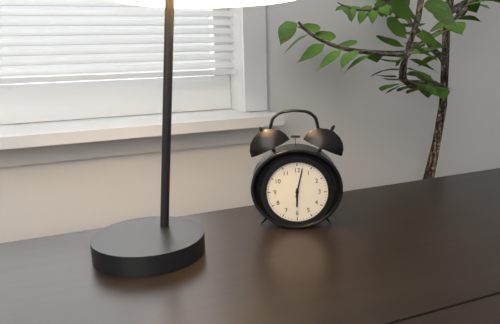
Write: 6:02
